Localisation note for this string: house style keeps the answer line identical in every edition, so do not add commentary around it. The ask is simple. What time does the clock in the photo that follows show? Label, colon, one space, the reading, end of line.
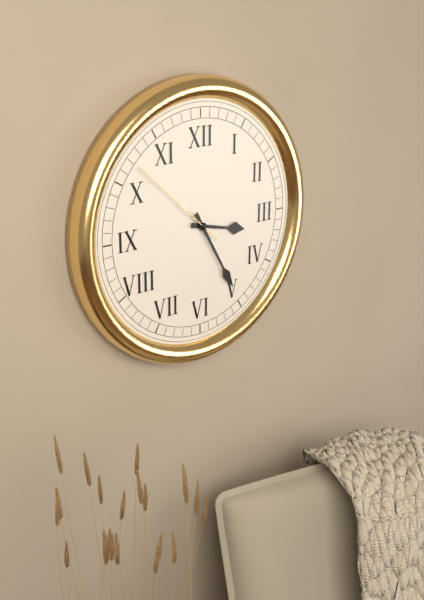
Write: 3:25:52
